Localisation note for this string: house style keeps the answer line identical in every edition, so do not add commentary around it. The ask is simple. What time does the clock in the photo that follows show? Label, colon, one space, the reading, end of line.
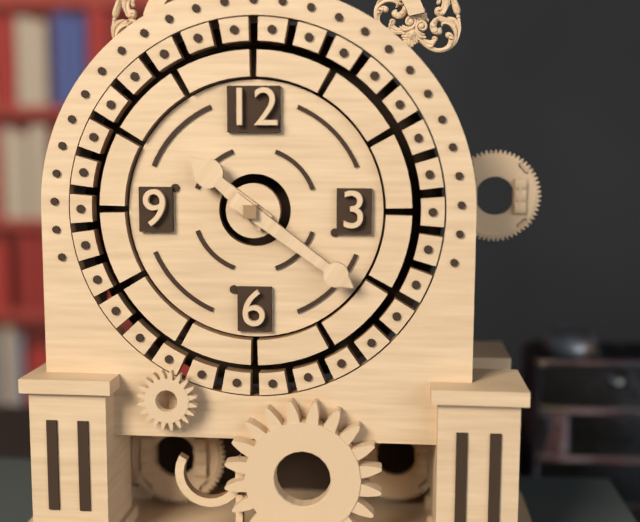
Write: 10:21
